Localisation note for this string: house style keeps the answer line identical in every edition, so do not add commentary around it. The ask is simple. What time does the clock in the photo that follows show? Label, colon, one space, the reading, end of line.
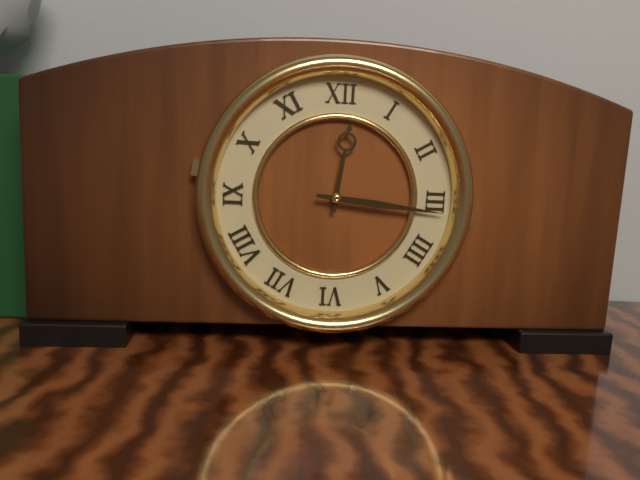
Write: 12:16
